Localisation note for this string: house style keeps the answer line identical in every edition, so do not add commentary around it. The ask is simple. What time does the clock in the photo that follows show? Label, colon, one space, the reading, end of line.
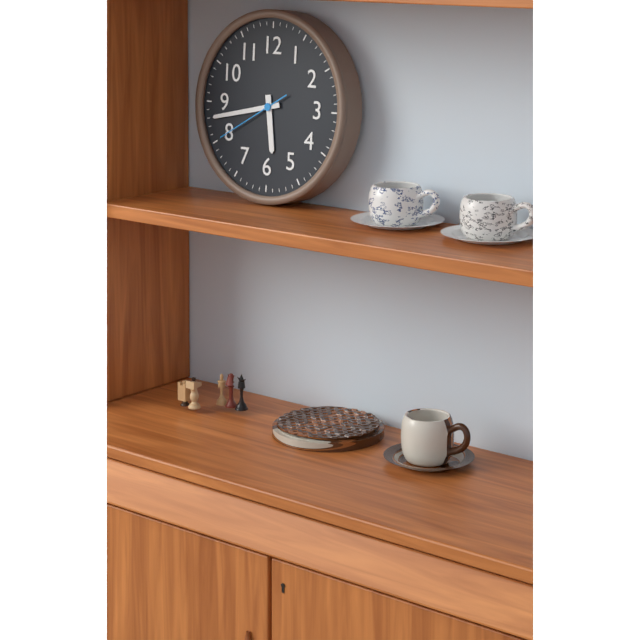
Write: 5:43:40
